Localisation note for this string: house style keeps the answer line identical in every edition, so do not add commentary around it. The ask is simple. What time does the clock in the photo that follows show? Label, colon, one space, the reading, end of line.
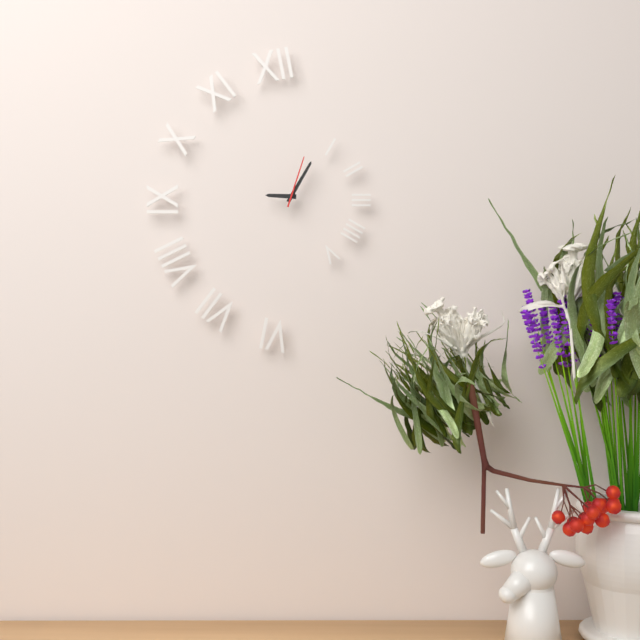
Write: 9:05:03
